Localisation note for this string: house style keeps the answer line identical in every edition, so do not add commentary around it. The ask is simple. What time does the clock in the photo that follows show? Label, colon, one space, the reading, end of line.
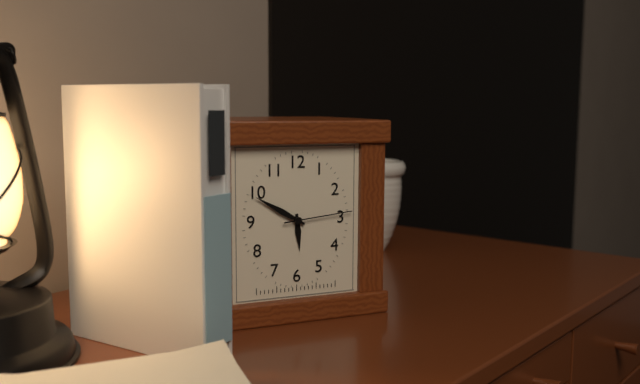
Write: 5:50:14
